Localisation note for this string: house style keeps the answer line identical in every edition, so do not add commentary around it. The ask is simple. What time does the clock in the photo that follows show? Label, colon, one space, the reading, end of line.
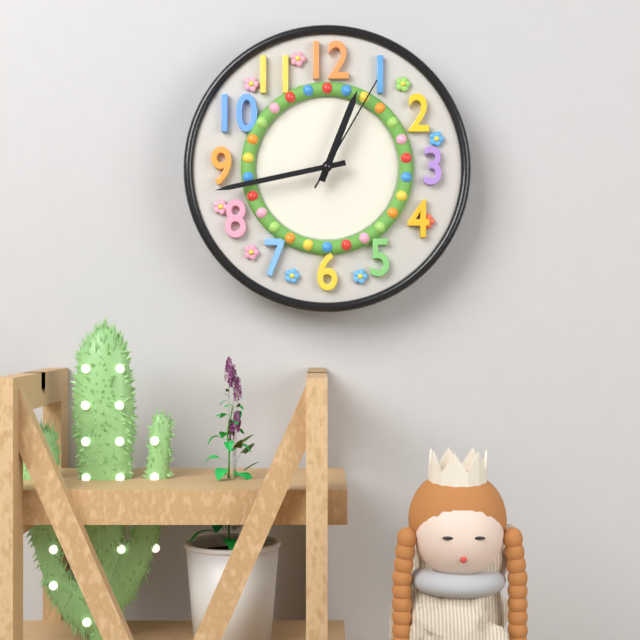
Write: 12:43:05
